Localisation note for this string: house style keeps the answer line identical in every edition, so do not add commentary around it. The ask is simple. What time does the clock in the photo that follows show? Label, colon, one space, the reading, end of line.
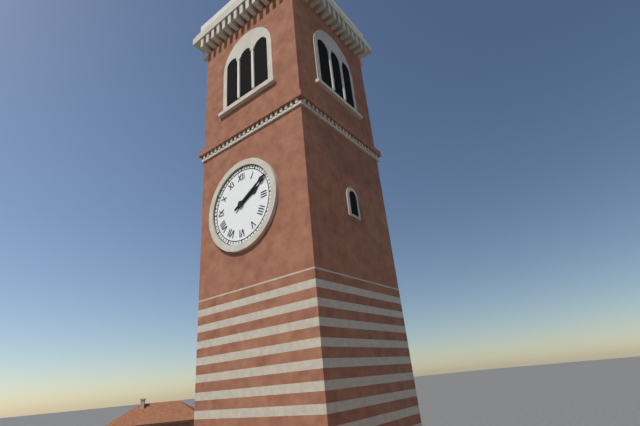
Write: 2:10
